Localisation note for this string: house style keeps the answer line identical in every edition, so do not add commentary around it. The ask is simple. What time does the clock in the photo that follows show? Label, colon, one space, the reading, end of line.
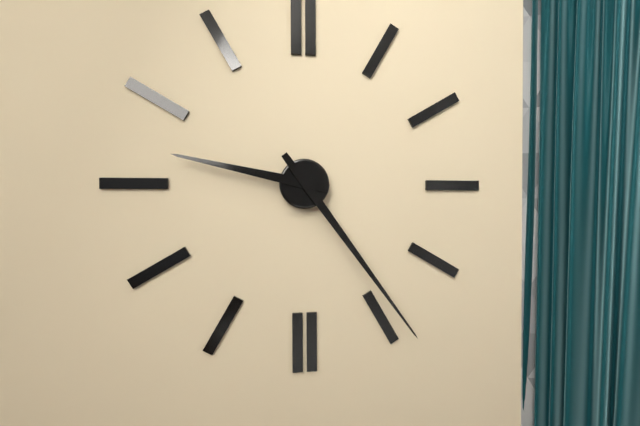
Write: 9:24
